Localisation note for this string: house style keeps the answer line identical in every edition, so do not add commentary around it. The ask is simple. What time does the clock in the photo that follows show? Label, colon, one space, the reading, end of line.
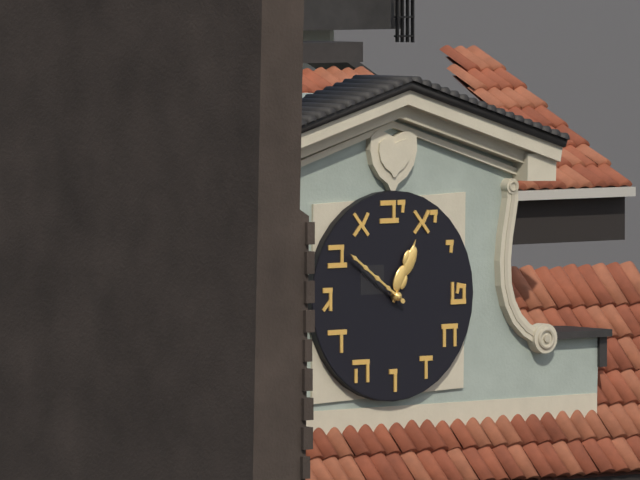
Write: 12:51
